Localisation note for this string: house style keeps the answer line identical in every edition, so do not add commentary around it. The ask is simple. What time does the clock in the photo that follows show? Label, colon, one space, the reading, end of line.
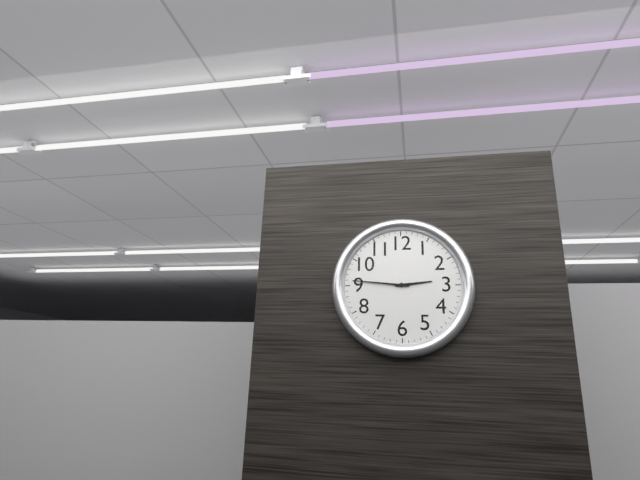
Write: 2:46
